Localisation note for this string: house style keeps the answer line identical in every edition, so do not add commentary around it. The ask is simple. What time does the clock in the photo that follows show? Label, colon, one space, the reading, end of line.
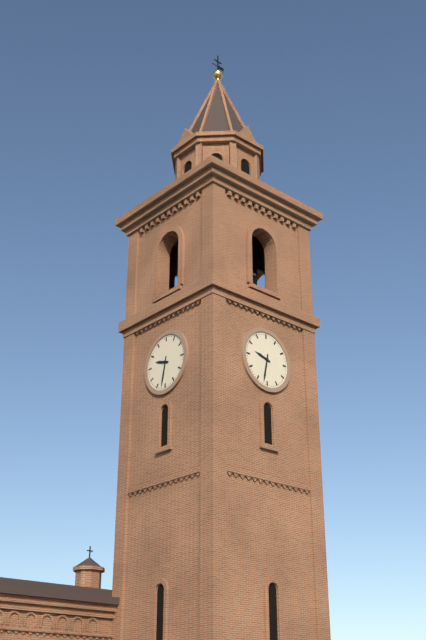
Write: 9:32
